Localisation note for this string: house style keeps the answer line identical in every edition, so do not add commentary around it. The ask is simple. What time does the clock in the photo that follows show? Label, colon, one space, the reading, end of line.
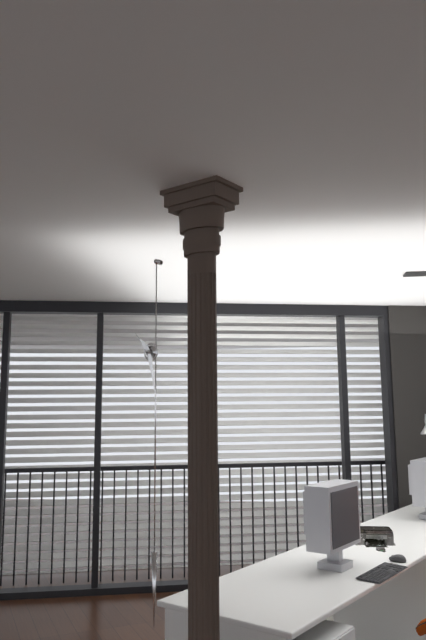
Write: 10:28
